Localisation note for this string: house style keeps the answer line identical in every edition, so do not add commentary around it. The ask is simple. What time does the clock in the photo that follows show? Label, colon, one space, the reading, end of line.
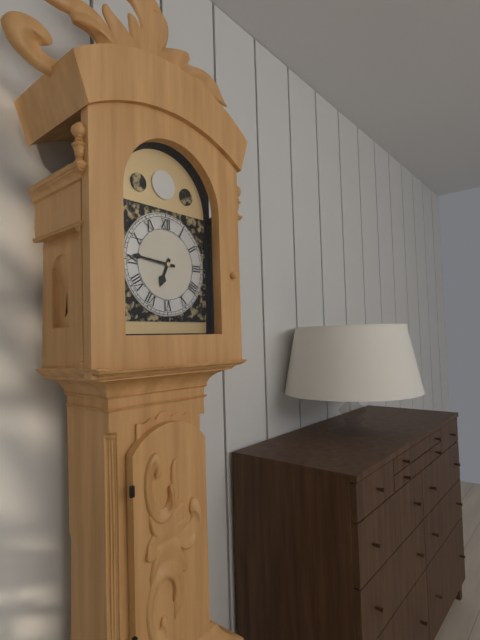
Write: 6:46
